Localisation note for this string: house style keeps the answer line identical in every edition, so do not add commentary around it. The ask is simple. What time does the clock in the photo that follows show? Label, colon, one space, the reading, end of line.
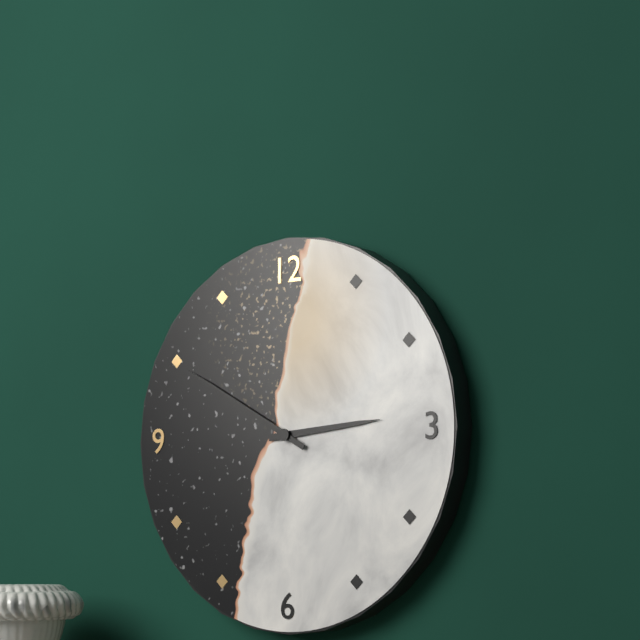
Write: 2:50
